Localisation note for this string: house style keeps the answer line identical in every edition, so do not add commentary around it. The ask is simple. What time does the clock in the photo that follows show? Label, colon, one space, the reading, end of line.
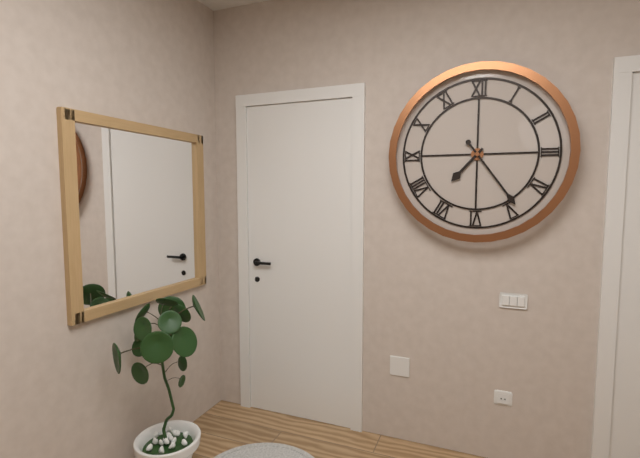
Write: 7:24
